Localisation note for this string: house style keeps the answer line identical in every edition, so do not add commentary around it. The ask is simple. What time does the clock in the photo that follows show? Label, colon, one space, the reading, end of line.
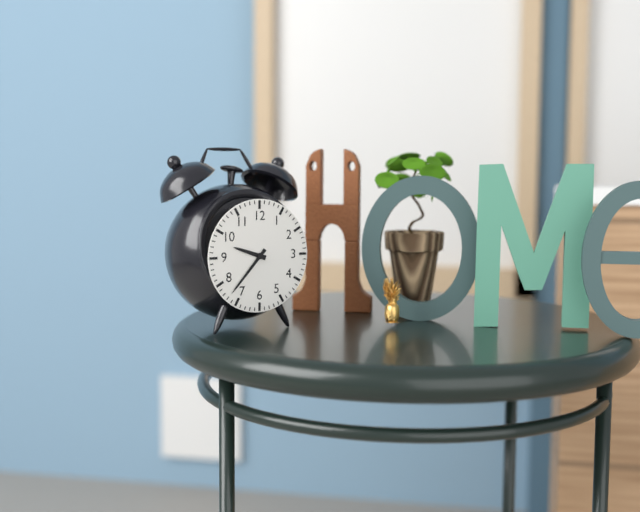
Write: 9:37
